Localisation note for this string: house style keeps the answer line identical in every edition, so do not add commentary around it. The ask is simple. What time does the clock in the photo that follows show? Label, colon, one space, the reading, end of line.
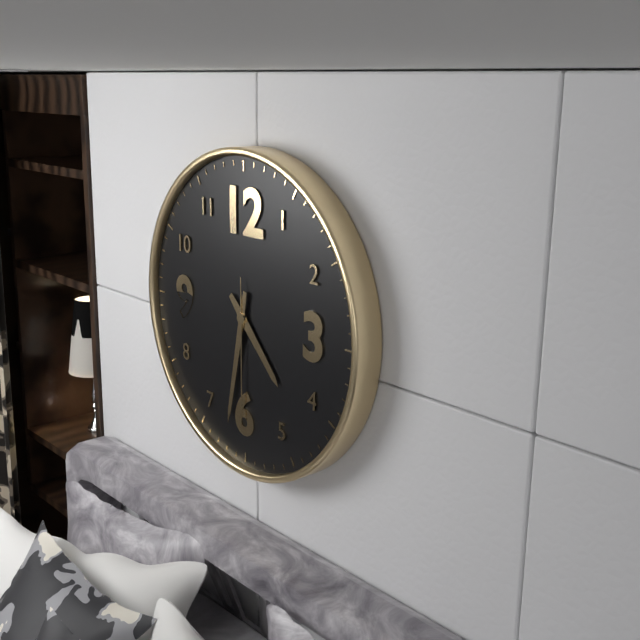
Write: 4:32:30
